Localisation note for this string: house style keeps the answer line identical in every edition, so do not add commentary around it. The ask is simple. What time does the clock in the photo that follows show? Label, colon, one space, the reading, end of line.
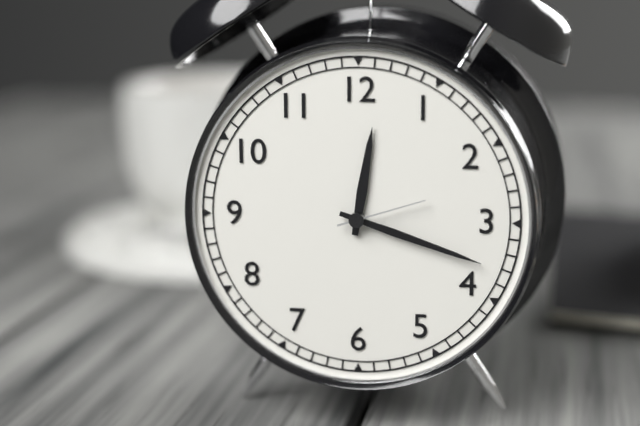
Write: 12:18:12
